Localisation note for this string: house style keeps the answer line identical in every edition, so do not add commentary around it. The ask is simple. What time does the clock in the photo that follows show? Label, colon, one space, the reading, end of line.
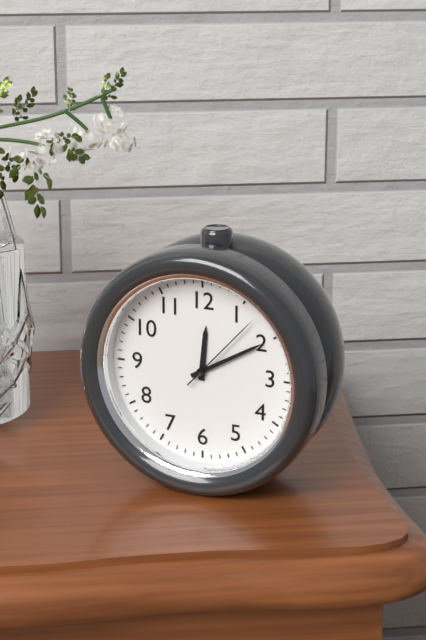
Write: 12:10:07
